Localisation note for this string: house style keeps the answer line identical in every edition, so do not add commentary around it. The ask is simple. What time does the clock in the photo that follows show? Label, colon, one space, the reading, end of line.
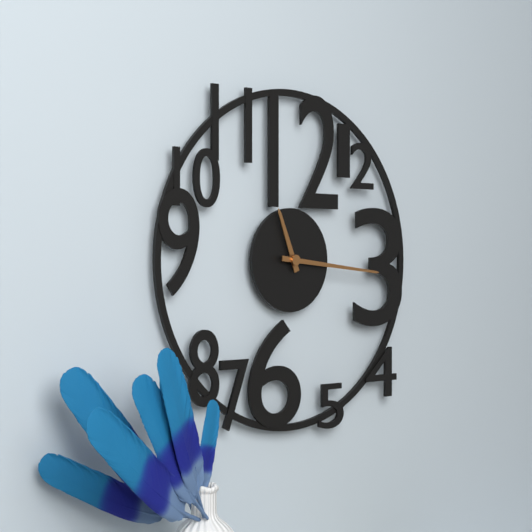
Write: 11:16
